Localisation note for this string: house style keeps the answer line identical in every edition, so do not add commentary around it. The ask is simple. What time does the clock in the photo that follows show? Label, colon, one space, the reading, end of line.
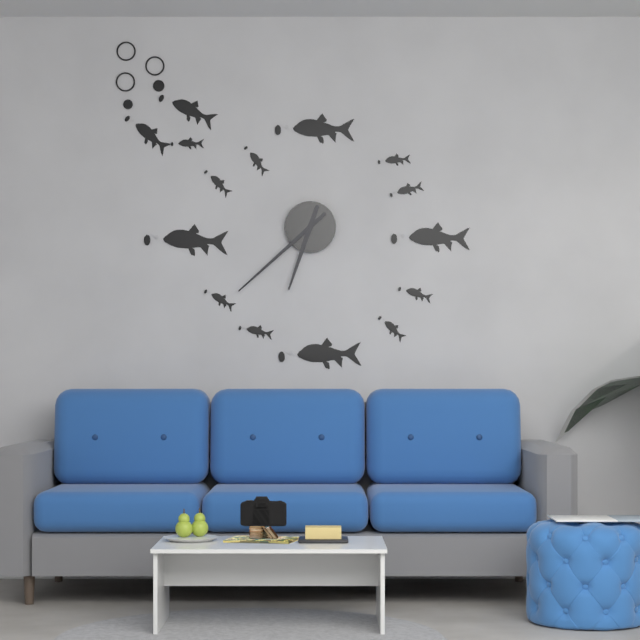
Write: 6:38
